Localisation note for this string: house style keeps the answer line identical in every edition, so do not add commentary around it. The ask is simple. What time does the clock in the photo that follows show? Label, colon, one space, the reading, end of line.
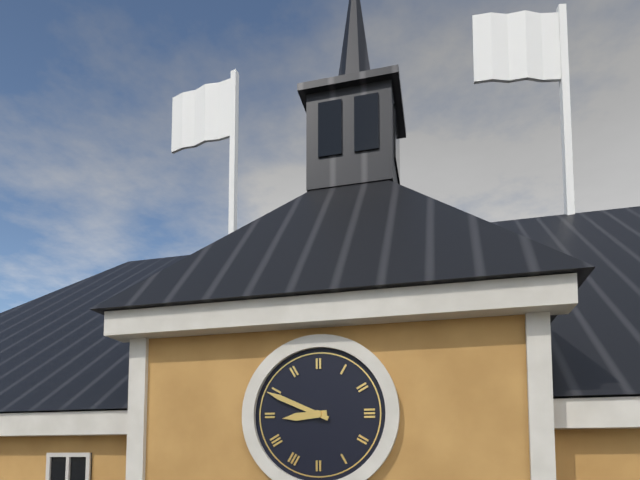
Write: 8:49
